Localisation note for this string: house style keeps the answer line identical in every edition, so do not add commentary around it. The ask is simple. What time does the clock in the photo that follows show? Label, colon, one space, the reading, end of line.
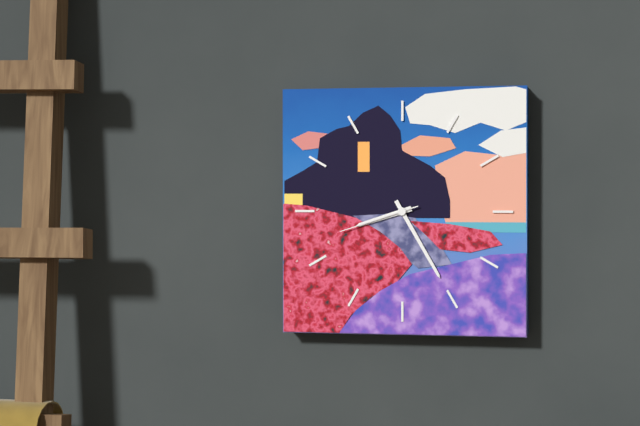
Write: 8:25:42
